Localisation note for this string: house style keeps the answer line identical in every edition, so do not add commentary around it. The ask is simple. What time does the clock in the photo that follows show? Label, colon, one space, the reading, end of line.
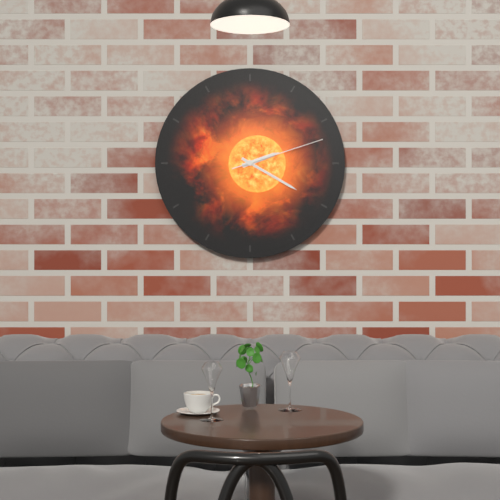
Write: 2:20:12
